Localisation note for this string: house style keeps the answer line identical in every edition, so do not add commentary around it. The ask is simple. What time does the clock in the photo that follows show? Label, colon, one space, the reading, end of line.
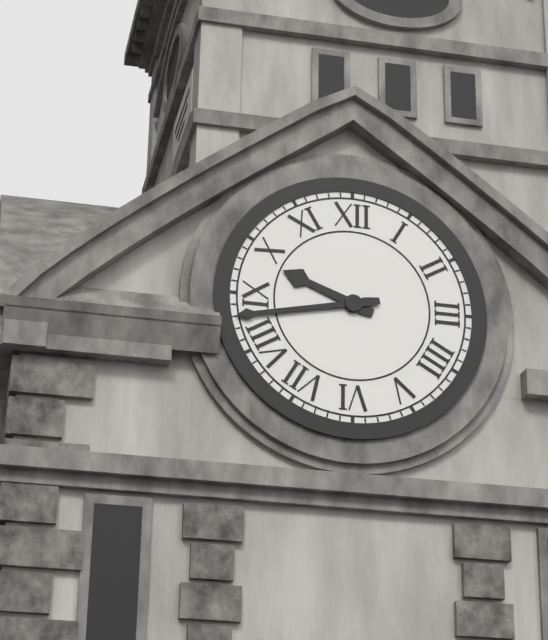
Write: 9:43
